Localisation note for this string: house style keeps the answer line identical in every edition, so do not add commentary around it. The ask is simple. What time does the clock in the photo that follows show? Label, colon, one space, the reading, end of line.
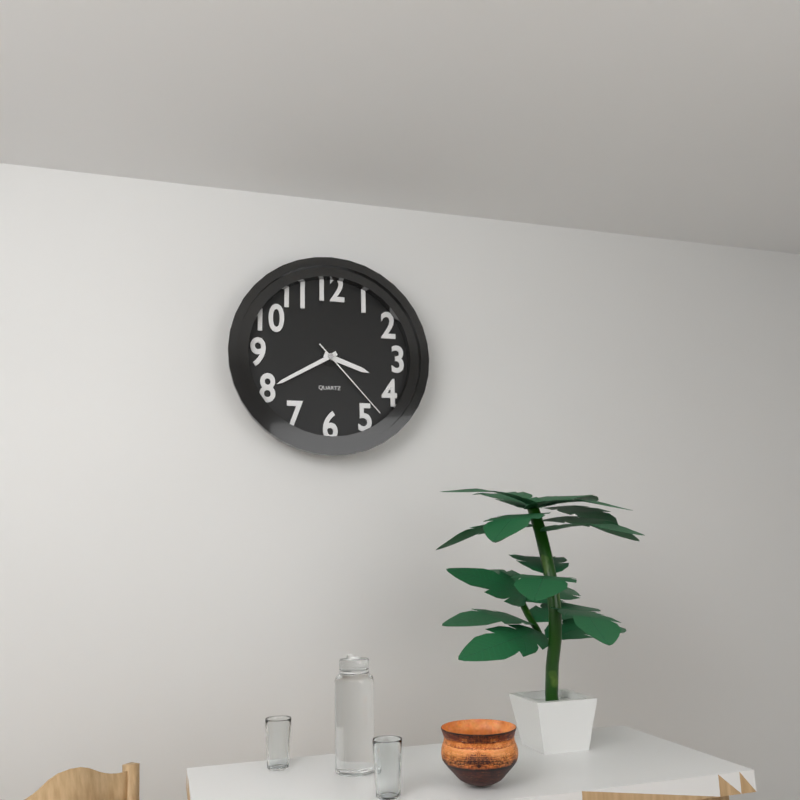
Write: 3:40:23
